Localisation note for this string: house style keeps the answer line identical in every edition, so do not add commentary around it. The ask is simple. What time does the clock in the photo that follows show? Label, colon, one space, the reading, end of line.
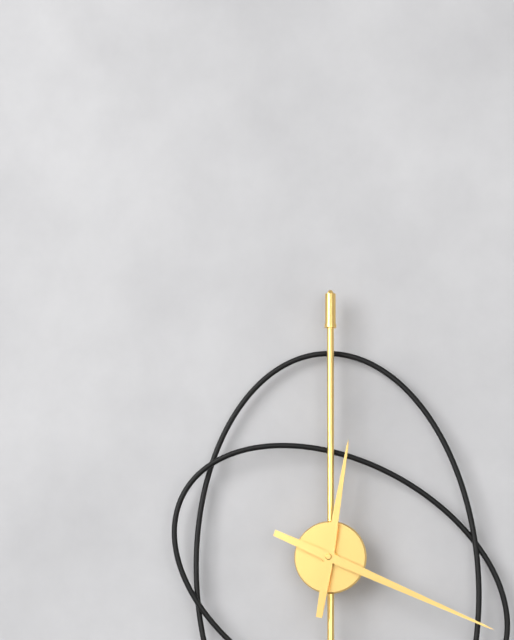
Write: 12:19
